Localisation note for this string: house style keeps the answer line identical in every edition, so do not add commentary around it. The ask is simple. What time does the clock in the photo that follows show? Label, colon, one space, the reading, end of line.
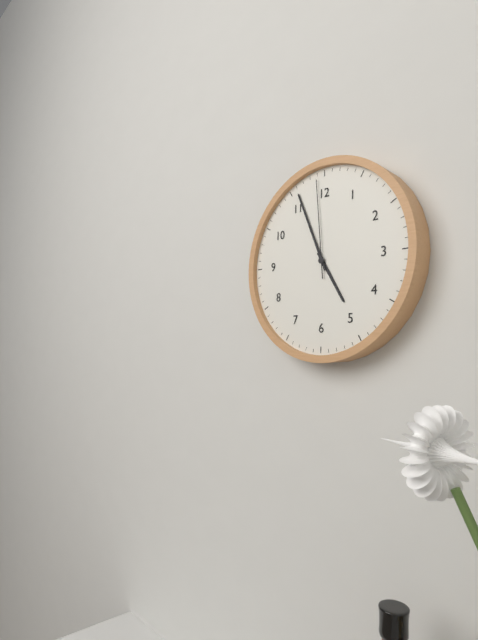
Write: 4:56:59
